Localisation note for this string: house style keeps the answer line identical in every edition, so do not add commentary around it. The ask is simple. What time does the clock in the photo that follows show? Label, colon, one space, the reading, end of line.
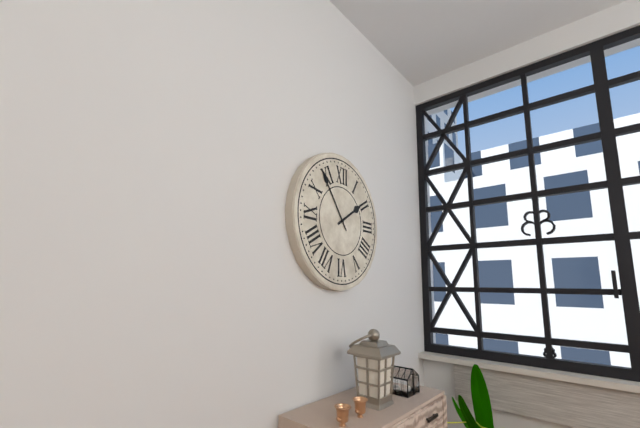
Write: 1:54
